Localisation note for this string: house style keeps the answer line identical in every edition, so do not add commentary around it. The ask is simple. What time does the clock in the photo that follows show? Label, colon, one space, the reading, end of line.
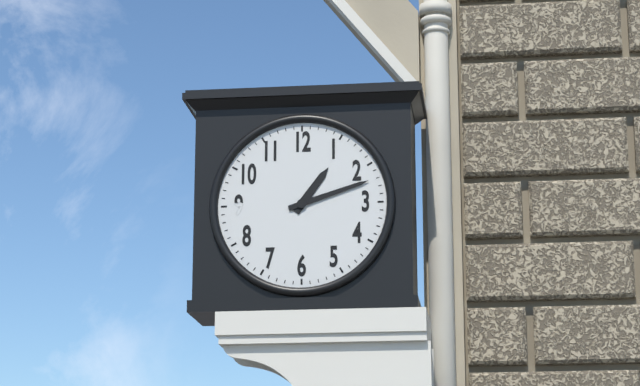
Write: 1:12
